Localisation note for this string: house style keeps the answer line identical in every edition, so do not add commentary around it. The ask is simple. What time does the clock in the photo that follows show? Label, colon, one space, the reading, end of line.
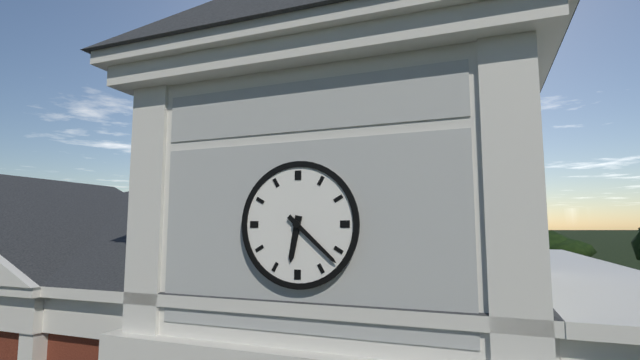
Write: 6:22
